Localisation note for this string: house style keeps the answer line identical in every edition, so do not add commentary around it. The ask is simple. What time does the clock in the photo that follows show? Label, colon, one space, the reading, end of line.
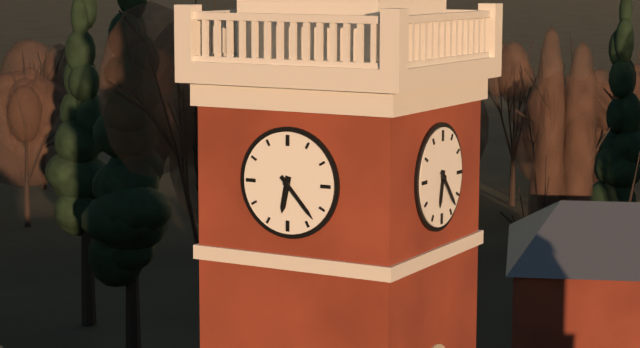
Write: 6:23
